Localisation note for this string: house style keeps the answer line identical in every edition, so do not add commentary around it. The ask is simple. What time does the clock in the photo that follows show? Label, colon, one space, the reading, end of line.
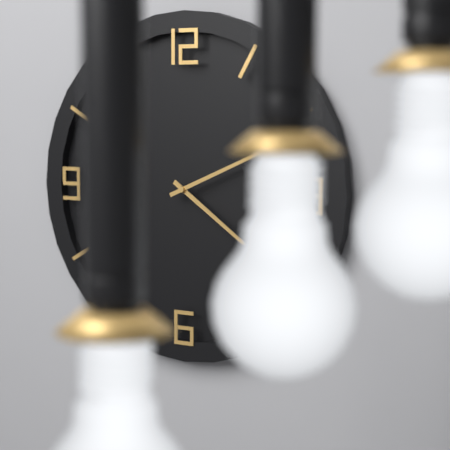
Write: 4:11
